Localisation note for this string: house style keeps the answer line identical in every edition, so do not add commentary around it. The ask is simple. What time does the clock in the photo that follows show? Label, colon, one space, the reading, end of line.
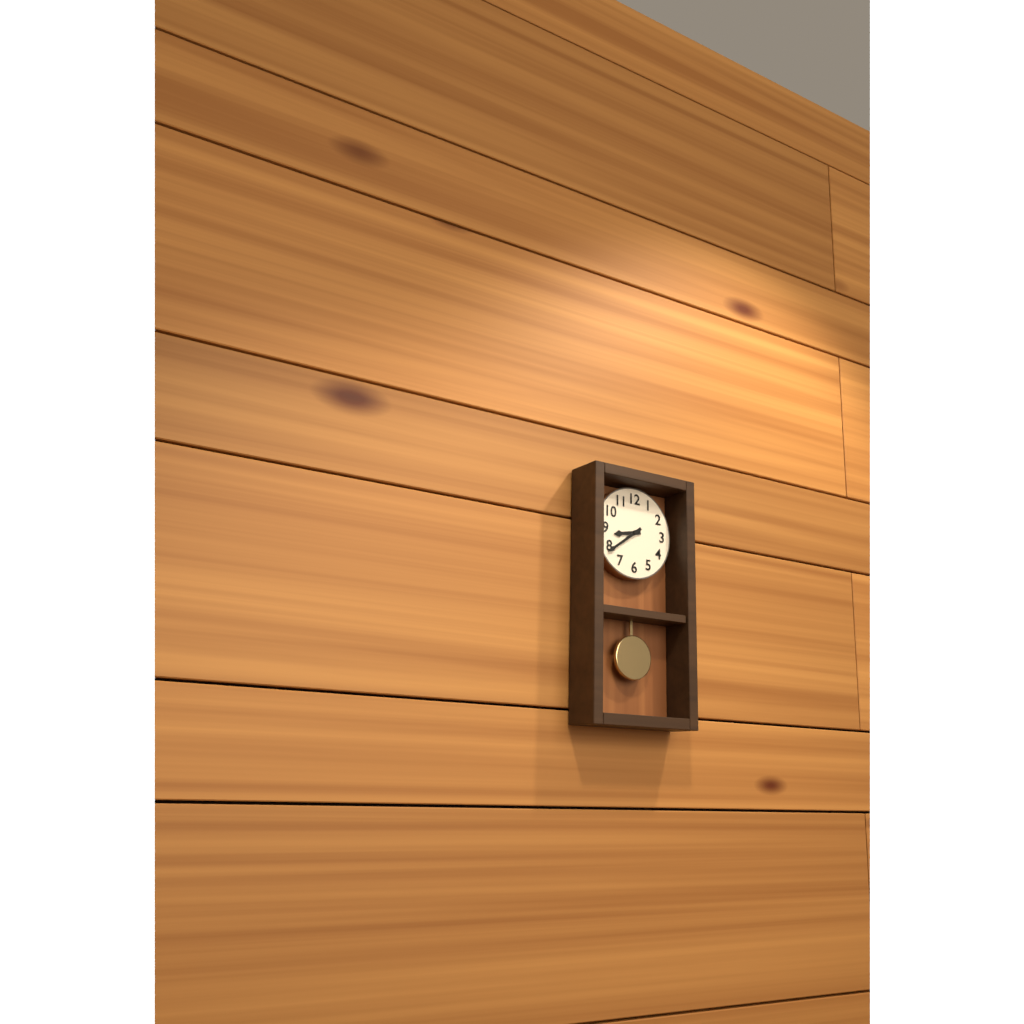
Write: 8:39
